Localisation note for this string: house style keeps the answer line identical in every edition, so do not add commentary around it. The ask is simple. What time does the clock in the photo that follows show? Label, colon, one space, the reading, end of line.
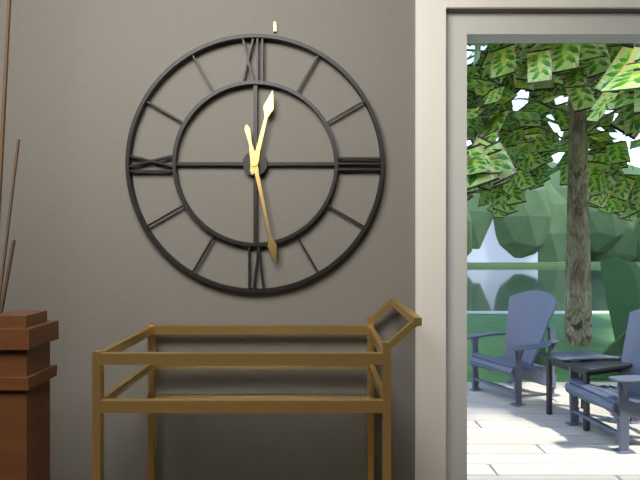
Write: 12:28
